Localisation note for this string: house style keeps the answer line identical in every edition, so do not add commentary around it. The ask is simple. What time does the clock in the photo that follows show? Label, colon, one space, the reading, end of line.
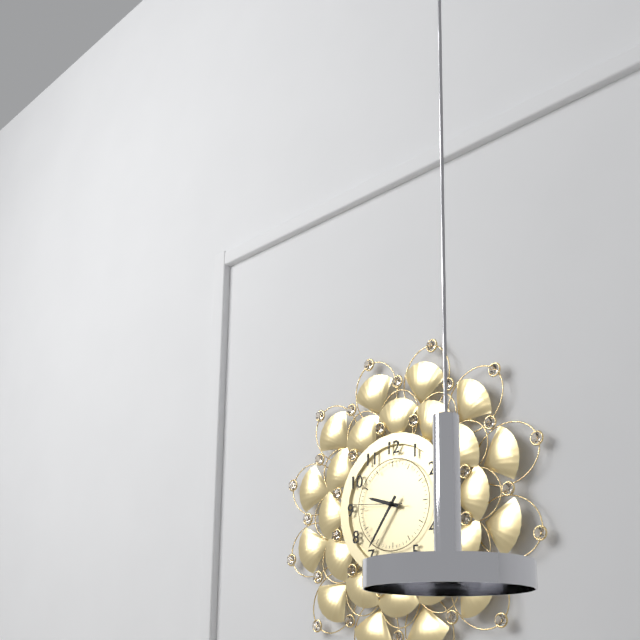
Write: 9:36:46
